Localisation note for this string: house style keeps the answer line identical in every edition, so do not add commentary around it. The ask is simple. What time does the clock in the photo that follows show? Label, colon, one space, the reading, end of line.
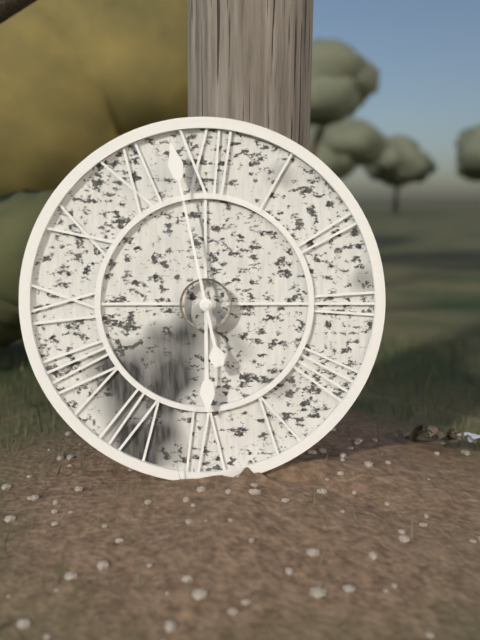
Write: 5:58
